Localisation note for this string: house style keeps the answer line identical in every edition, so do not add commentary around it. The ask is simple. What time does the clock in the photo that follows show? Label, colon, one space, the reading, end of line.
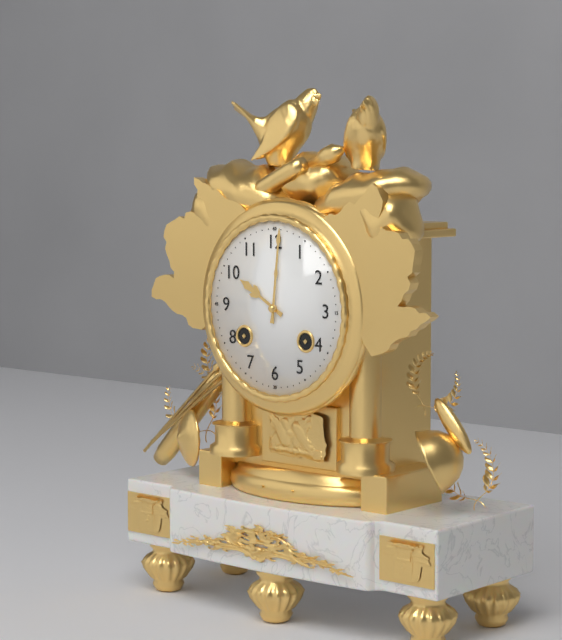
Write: 10:01
